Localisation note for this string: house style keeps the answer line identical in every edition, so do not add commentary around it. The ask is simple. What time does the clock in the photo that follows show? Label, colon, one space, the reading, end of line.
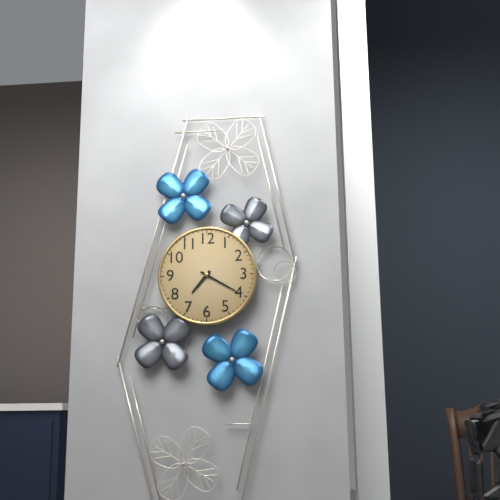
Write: 7:20
